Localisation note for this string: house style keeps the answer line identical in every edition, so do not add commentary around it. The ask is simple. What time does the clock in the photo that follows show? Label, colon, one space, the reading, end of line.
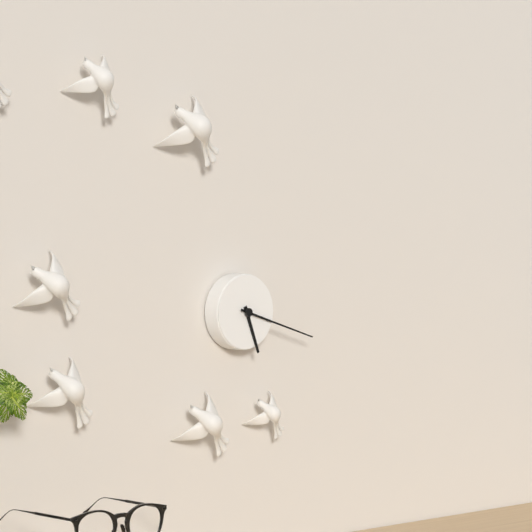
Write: 5:18
